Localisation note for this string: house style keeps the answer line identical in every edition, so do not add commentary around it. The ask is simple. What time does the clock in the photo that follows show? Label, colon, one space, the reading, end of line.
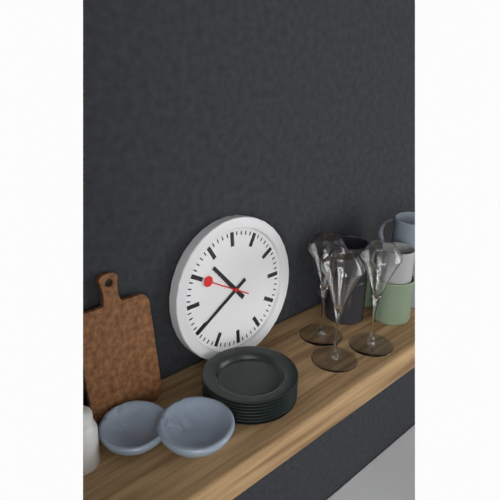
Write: 10:40
